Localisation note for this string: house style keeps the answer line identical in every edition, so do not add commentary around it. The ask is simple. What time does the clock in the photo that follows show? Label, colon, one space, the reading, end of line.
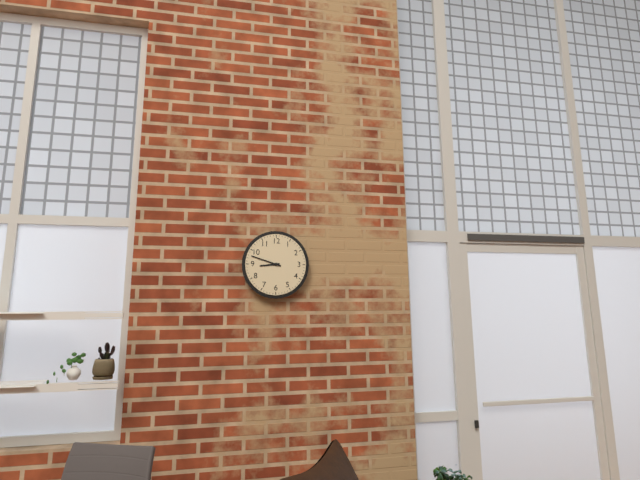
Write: 8:48
